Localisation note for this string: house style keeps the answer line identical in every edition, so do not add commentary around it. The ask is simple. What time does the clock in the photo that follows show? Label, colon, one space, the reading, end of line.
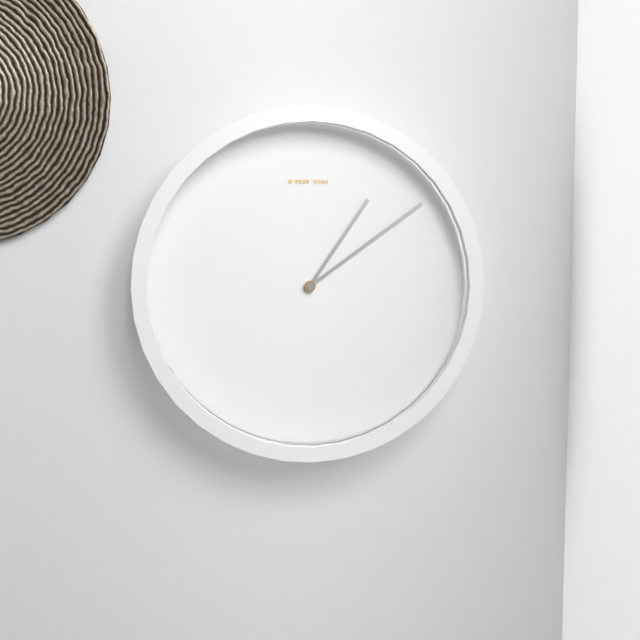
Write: 1:09
